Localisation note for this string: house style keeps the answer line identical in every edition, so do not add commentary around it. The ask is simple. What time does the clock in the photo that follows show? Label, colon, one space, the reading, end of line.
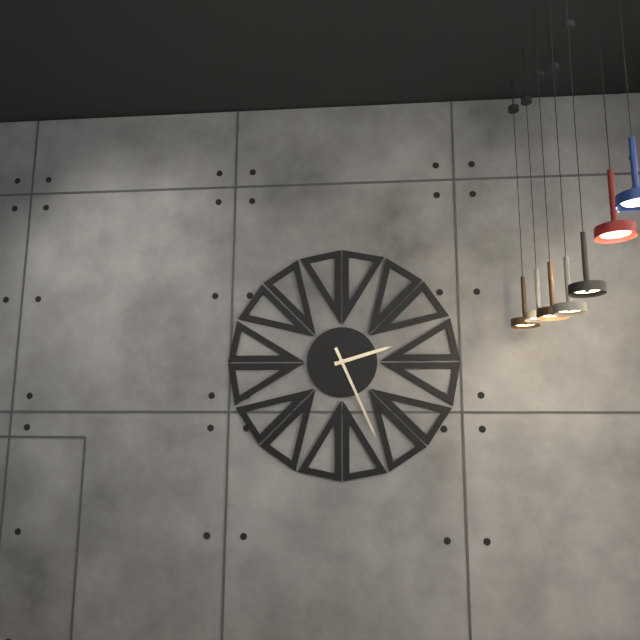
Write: 2:26
